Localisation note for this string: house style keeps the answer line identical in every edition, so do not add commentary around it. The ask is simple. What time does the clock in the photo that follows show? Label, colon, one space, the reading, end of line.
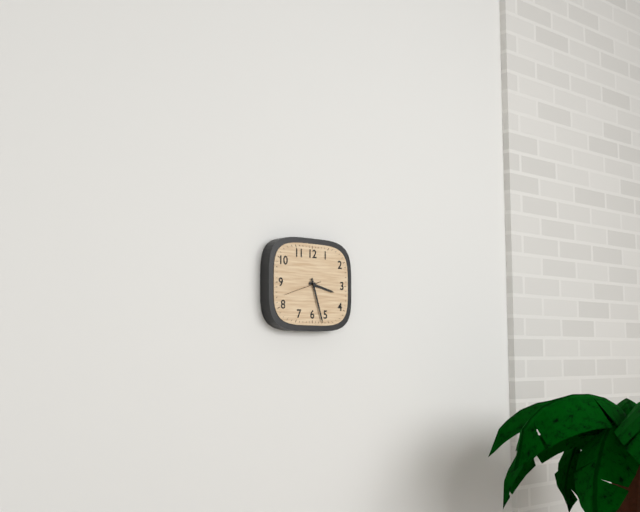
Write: 3:27
